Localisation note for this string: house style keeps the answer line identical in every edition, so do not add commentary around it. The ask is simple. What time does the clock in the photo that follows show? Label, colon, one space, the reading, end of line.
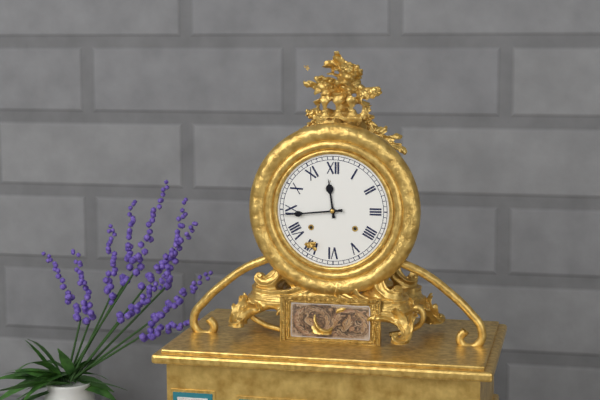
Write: 11:44
